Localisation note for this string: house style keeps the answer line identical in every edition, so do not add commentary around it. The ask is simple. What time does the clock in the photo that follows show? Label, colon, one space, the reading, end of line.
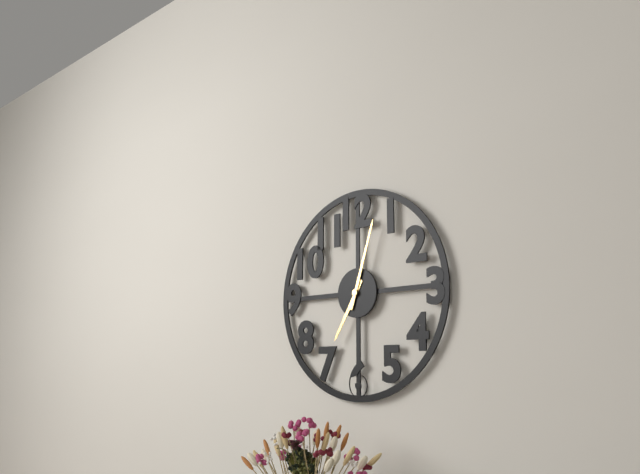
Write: 7:03
